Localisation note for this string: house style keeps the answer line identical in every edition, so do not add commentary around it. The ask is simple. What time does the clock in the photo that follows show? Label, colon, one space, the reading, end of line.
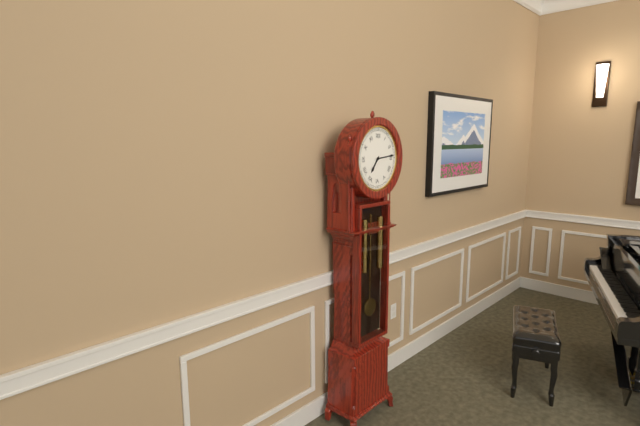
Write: 7:14
